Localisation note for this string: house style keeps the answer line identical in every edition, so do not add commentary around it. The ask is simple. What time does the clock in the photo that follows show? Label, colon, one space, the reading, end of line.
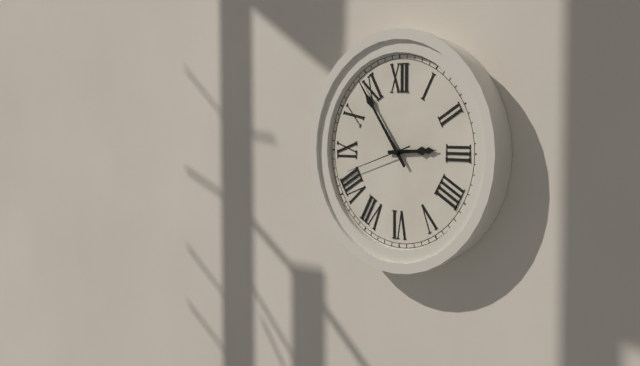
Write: 2:54:42
